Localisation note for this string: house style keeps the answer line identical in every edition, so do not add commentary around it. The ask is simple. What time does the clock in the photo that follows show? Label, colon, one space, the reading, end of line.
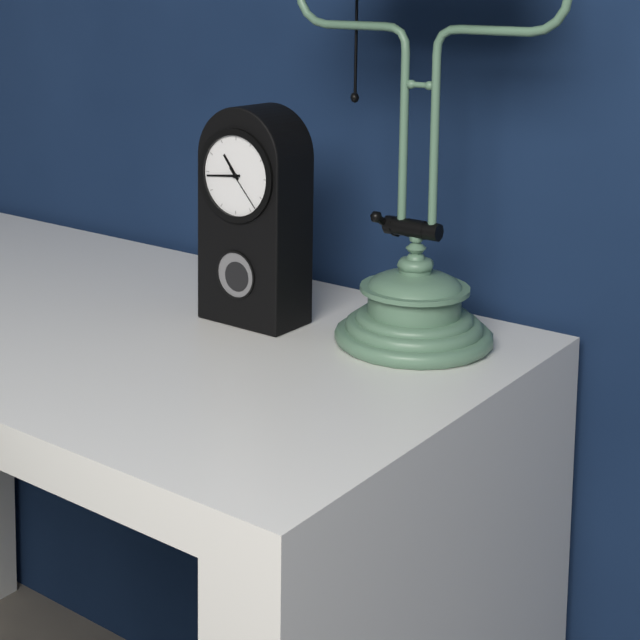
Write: 10:44
